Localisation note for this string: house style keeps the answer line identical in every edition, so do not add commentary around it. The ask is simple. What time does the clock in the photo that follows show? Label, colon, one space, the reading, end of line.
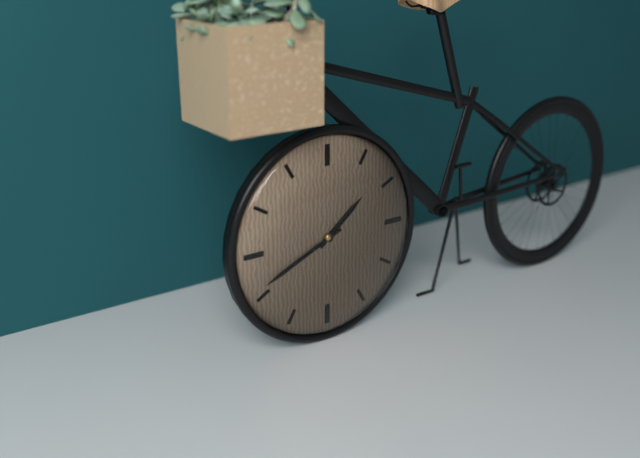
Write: 1:41
